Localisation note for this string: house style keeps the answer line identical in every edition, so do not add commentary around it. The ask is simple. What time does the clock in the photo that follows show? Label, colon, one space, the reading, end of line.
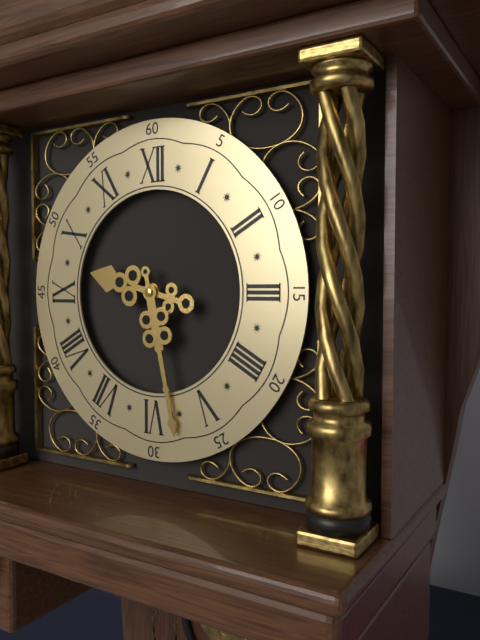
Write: 9:28
